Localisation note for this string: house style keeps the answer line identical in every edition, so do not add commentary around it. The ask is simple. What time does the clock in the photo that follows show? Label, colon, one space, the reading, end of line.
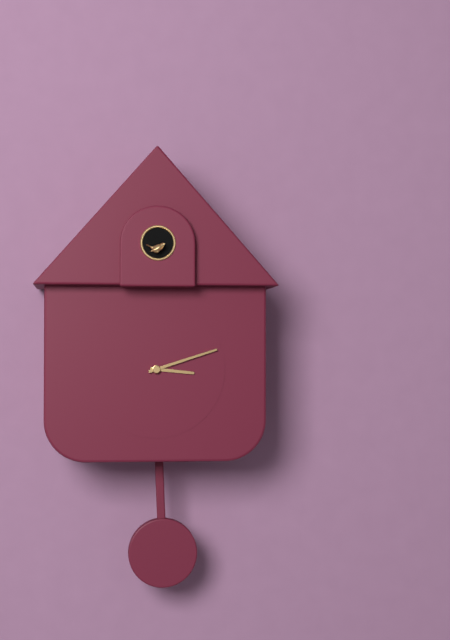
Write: 3:12
